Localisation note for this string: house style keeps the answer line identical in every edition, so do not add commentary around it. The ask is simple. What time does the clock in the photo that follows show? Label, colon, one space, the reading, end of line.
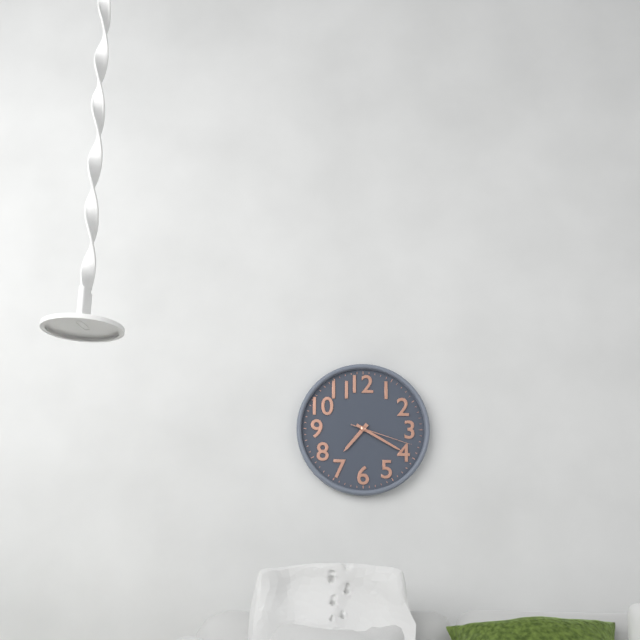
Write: 7:20:18
